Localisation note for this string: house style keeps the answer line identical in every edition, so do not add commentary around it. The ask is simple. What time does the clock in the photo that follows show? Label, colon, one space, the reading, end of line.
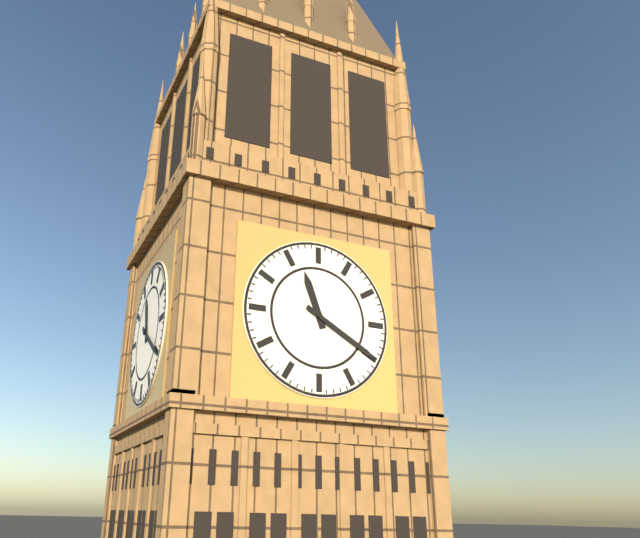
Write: 11:20
